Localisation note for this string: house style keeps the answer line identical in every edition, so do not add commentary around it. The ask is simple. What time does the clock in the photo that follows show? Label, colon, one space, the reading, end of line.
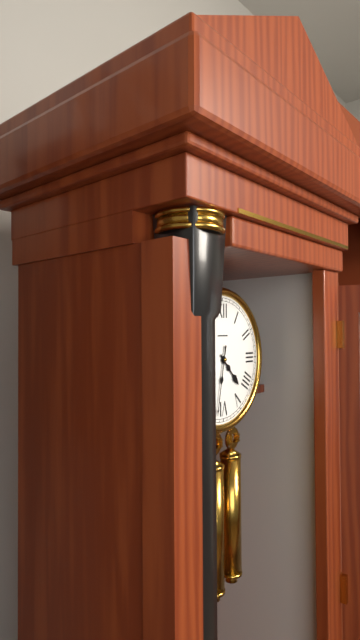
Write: 4:32
